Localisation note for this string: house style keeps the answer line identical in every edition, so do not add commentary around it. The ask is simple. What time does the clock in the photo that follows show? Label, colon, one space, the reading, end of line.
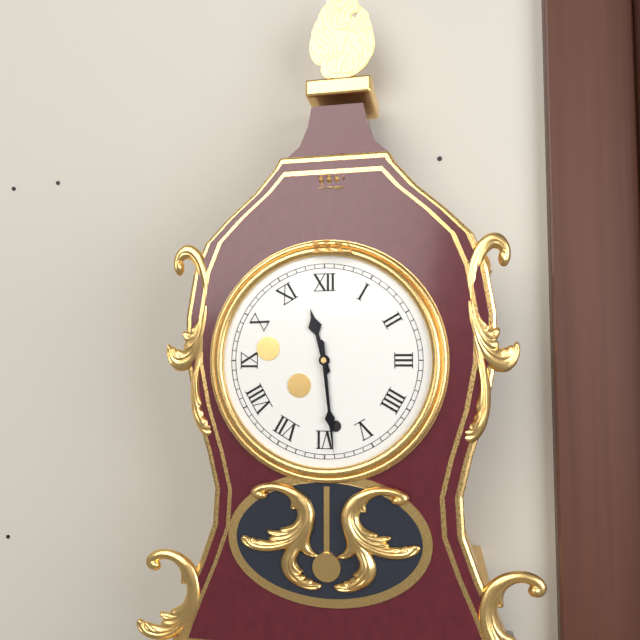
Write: 11:29
